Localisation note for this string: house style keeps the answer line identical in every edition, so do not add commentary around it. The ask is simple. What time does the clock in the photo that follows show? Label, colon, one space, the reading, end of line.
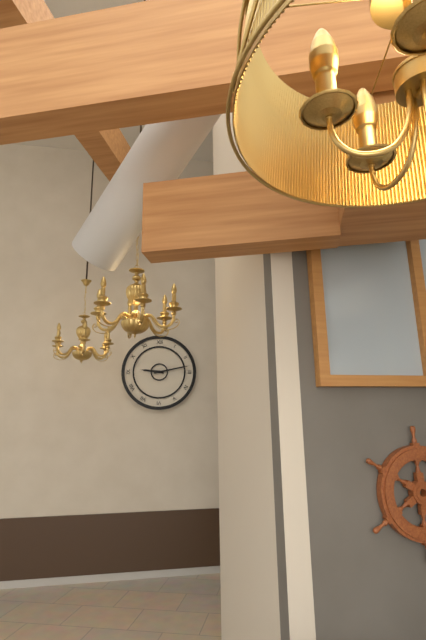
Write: 9:13
